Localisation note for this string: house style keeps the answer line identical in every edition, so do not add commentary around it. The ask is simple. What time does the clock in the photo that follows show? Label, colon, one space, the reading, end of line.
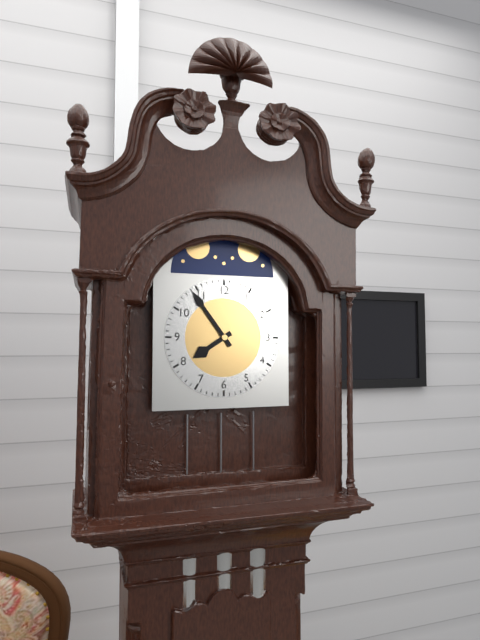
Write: 7:54
